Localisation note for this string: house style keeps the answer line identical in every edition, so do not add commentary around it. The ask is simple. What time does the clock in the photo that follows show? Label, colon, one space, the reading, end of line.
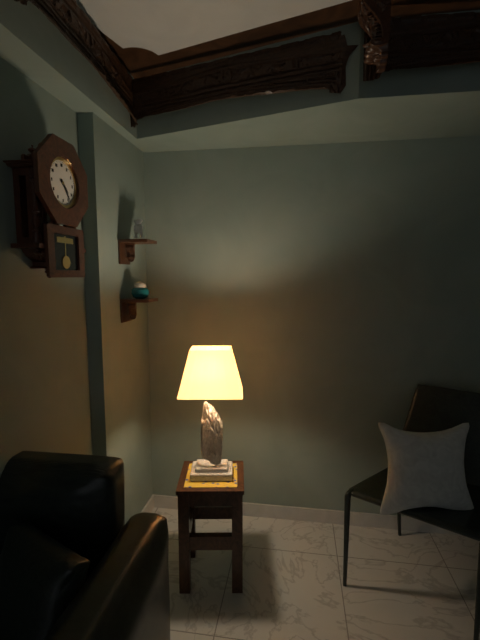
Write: 4:24
